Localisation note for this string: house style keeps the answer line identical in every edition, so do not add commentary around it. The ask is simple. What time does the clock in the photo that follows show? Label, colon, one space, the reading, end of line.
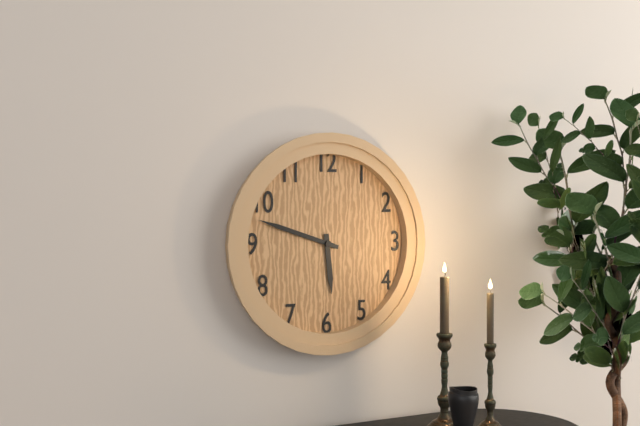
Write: 5:48
